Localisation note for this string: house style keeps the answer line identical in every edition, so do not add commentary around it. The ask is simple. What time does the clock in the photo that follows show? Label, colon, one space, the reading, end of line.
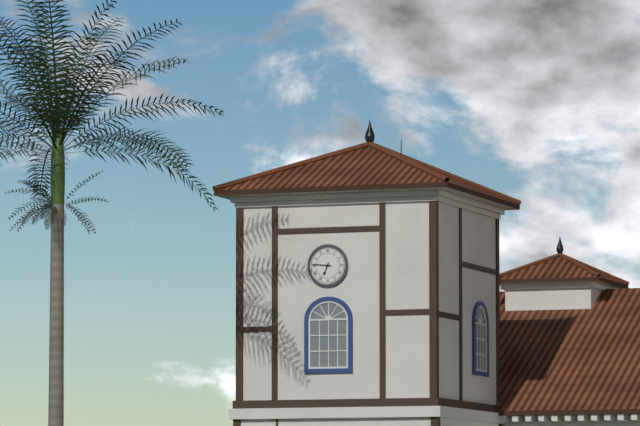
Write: 6:46
